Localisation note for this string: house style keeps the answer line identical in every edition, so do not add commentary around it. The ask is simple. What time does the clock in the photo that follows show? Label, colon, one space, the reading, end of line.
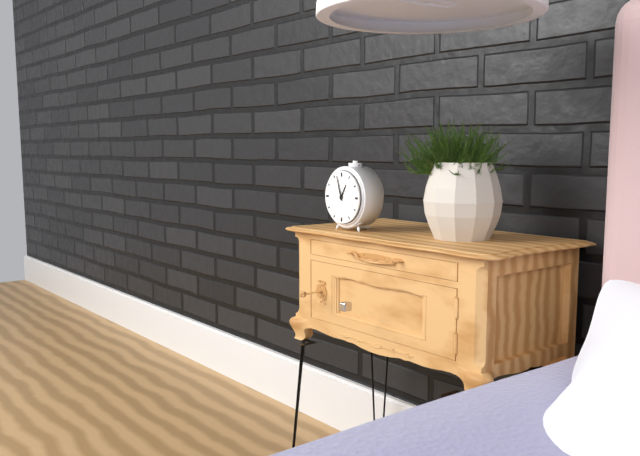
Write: 12:57
